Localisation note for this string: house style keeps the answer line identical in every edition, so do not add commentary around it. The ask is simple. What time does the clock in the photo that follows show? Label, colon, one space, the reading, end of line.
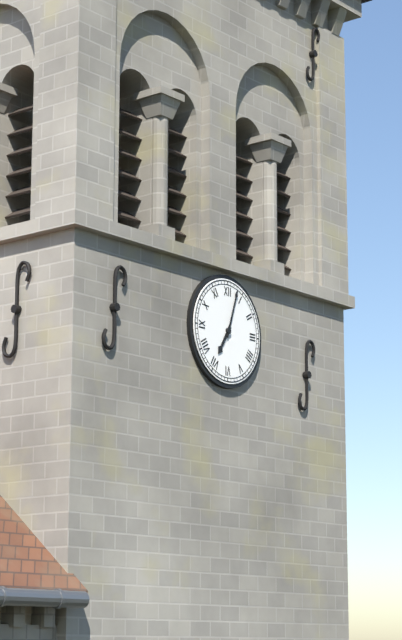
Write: 7:03
